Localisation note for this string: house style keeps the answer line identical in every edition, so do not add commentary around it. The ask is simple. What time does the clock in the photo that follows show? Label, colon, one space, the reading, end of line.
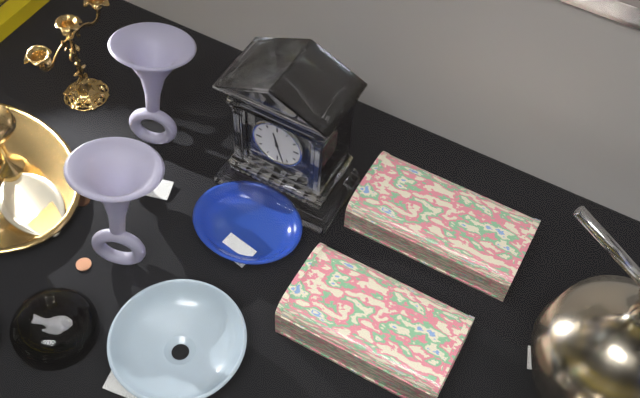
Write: 11:27
